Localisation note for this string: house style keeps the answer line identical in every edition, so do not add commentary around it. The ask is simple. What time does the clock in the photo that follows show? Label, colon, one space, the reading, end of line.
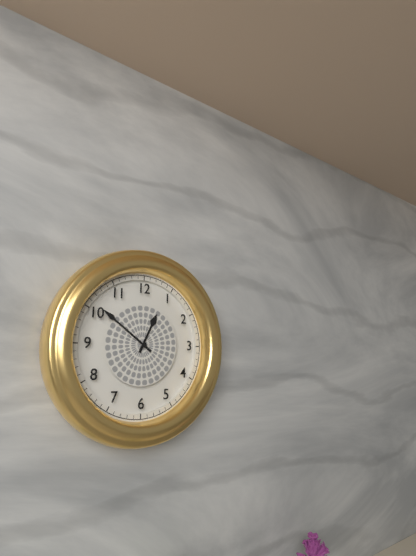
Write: 12:51
